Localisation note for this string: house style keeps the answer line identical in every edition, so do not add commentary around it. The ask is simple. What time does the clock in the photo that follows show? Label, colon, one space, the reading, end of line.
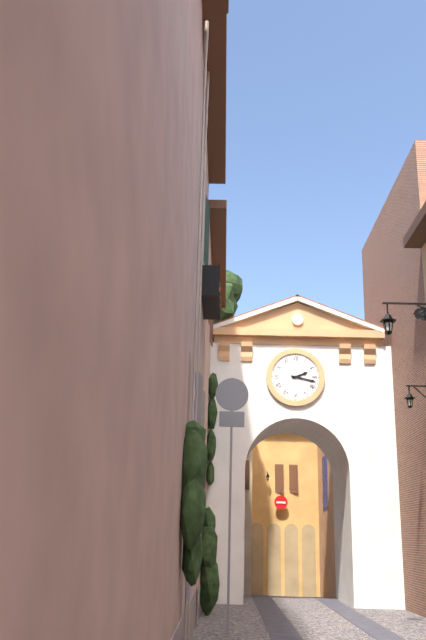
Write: 2:17
